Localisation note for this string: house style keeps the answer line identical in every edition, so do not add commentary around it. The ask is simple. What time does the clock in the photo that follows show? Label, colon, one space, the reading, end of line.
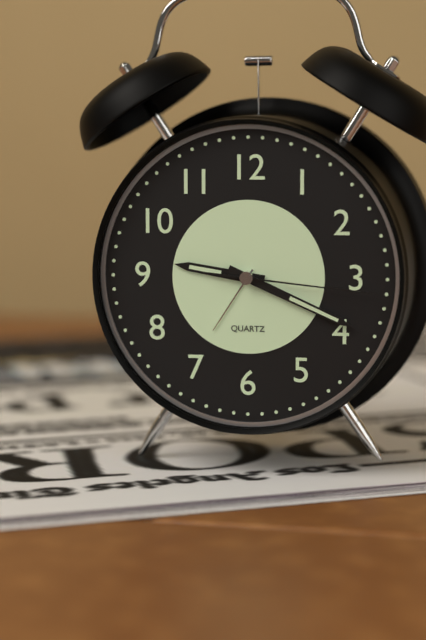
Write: 9:19:16
